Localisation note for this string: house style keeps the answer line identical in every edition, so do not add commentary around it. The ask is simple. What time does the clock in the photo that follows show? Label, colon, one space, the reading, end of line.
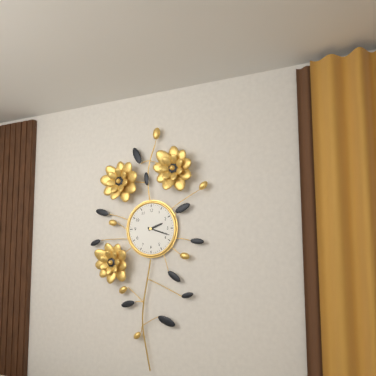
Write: 2:18
